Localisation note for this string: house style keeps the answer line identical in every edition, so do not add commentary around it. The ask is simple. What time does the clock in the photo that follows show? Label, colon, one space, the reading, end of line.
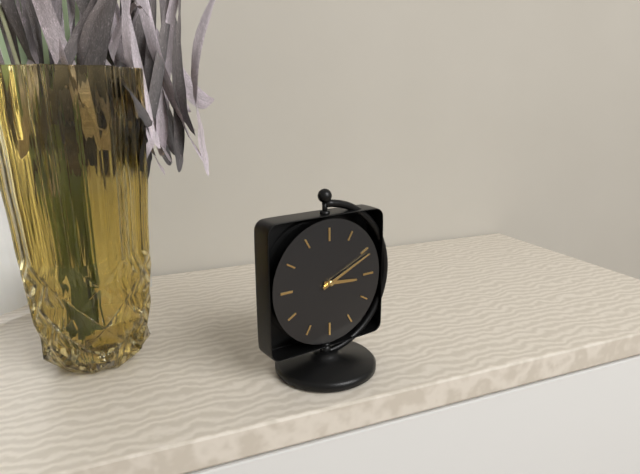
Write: 3:11
